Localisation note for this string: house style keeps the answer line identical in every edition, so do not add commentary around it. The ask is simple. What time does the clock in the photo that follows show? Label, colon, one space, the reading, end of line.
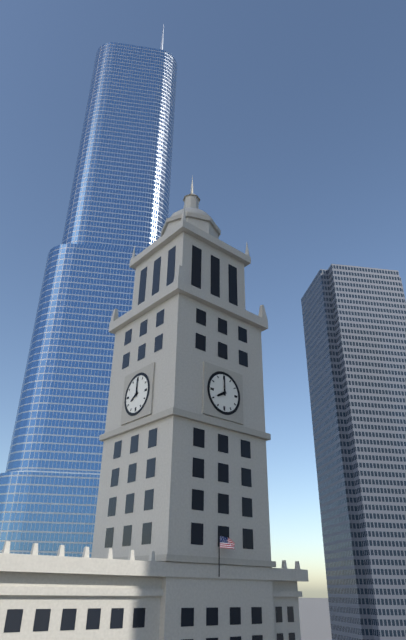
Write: 8:00
